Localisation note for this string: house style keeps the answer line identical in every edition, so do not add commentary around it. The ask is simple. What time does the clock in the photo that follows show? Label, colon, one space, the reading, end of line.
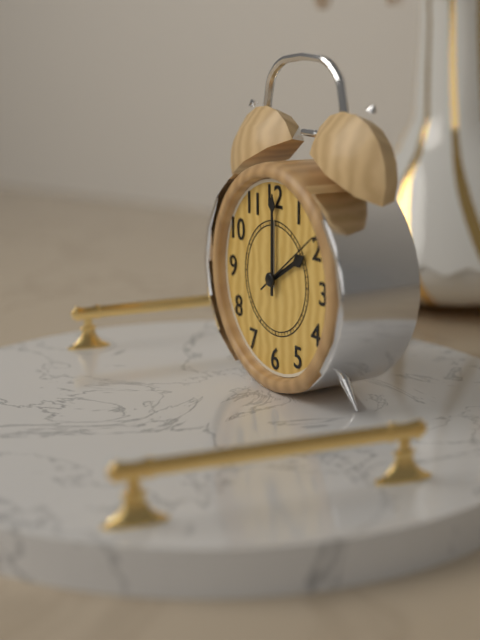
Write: 2:00:09
